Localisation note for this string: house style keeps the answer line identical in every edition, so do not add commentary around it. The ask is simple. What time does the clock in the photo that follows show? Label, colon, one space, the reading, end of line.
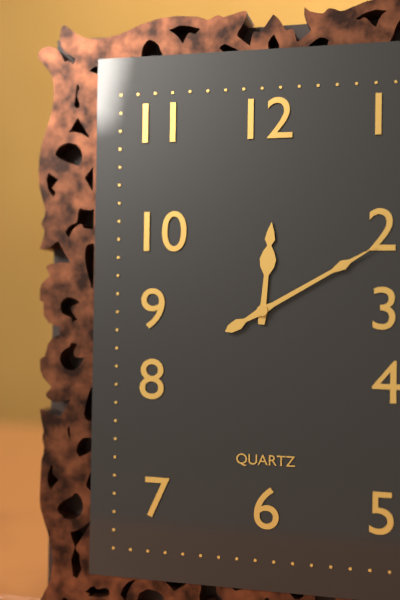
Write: 12:10
